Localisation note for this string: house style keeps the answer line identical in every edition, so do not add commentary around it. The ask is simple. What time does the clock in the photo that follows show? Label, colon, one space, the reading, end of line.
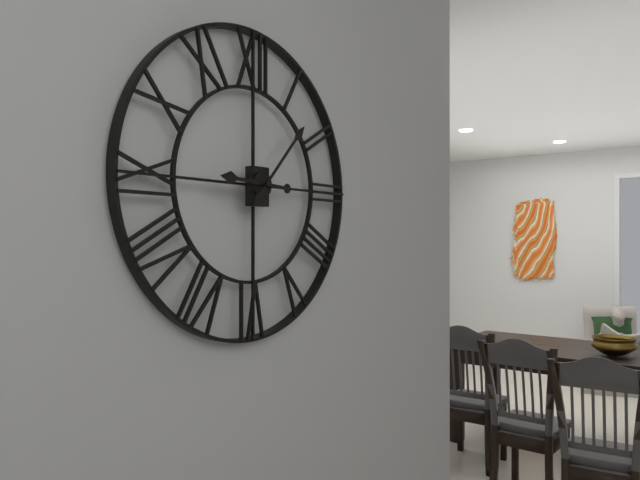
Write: 9:07
